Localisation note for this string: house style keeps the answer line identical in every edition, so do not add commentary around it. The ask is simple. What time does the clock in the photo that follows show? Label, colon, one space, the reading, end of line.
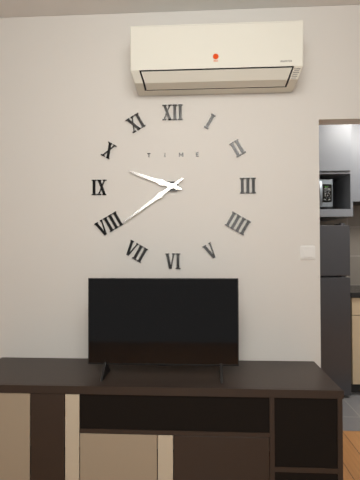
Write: 9:39
